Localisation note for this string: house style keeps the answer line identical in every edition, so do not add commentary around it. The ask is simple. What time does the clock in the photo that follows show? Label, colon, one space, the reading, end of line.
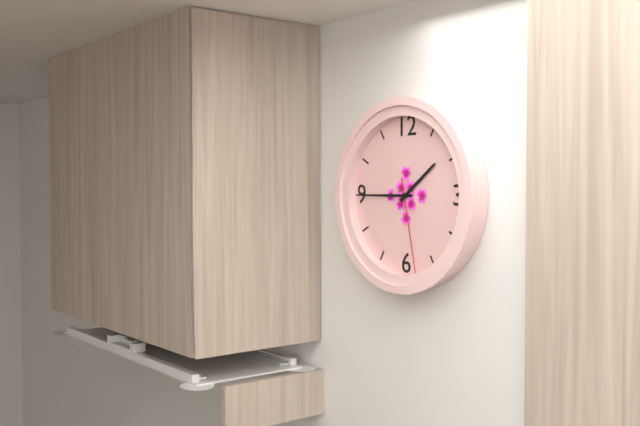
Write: 1:45:28
